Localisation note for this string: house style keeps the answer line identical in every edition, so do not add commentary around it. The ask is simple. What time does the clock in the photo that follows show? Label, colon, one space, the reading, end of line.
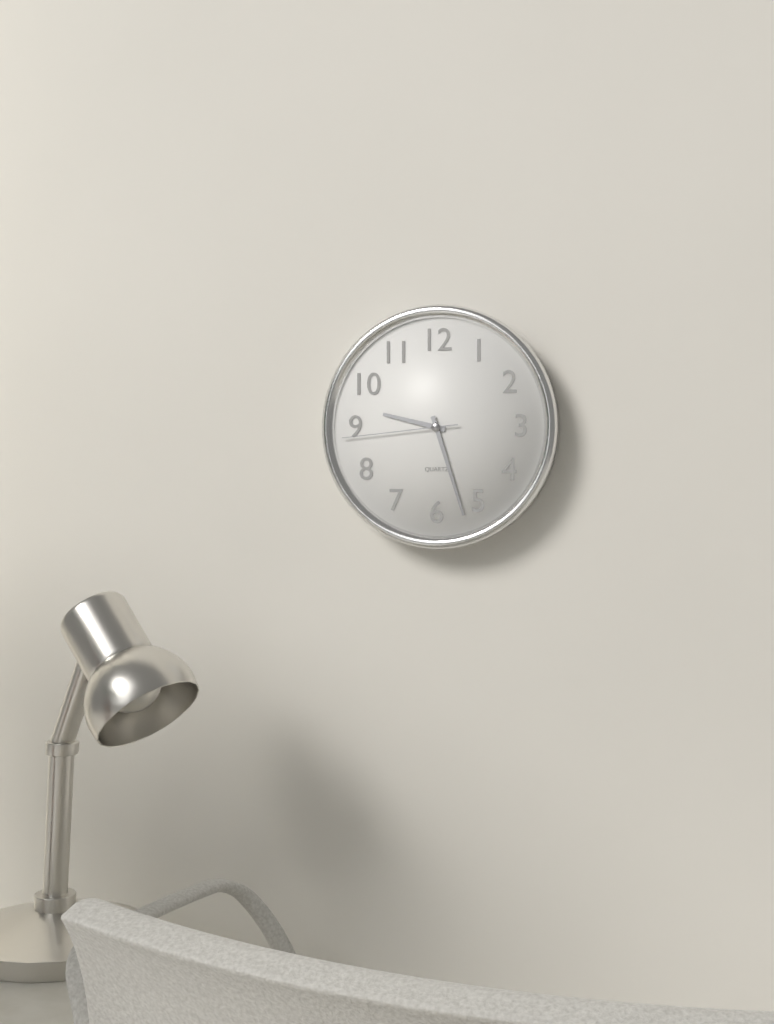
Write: 9:27:44
